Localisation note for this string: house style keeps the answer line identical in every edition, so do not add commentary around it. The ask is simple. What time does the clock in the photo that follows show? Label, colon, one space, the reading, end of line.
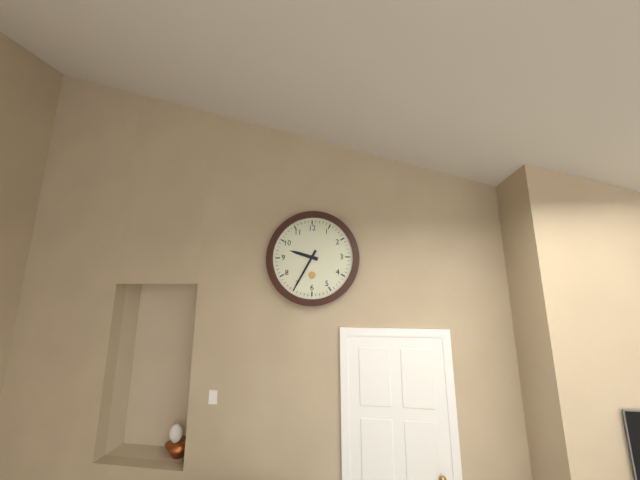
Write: 9:35
